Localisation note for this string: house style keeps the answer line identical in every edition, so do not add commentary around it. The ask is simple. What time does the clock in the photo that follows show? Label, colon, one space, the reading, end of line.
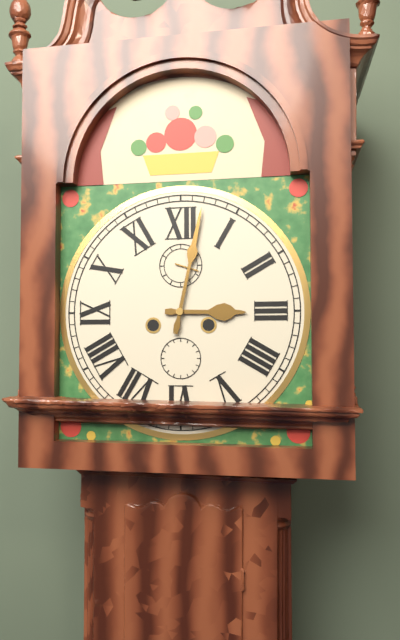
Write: 3:02
